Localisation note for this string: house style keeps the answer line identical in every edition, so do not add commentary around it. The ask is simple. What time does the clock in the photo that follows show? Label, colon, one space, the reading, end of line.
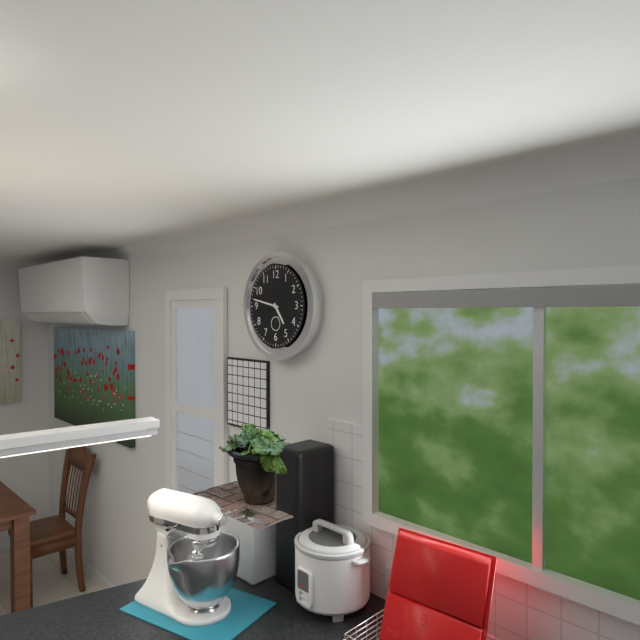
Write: 4:47
